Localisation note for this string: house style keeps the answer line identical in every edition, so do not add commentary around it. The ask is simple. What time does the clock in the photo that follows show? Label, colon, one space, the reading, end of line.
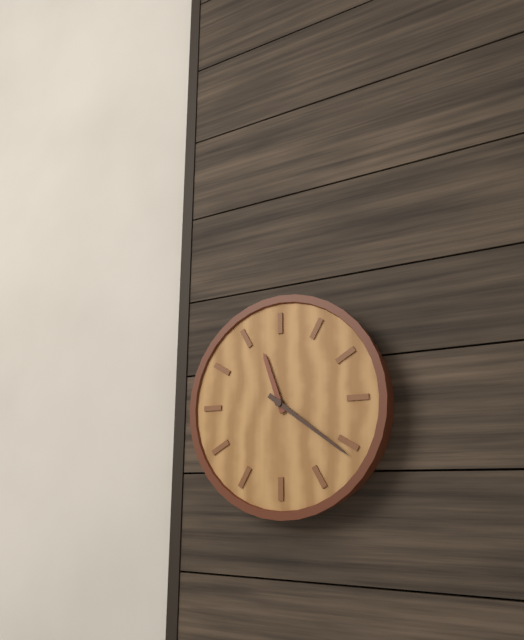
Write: 11:21
